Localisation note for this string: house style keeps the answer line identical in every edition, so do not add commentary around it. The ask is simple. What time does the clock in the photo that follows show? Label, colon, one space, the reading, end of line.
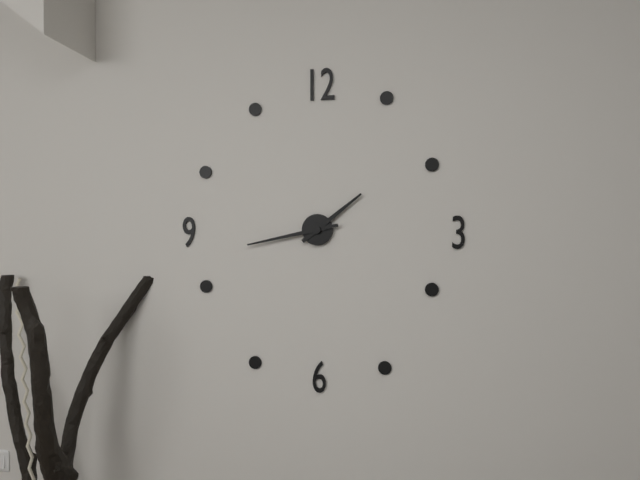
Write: 1:43
